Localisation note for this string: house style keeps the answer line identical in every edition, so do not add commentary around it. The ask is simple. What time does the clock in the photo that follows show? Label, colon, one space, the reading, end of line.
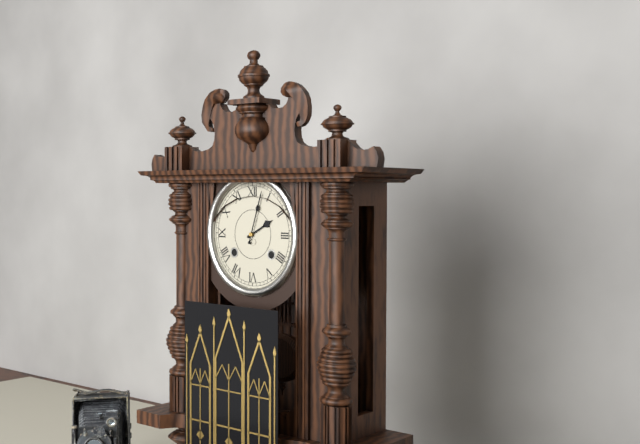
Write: 2:03
